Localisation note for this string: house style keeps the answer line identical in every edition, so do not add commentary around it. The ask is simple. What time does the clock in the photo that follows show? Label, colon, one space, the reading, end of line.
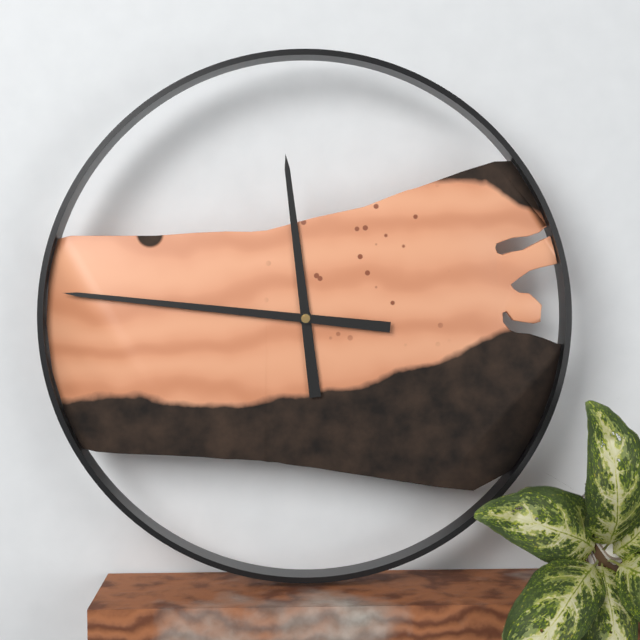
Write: 11:46
